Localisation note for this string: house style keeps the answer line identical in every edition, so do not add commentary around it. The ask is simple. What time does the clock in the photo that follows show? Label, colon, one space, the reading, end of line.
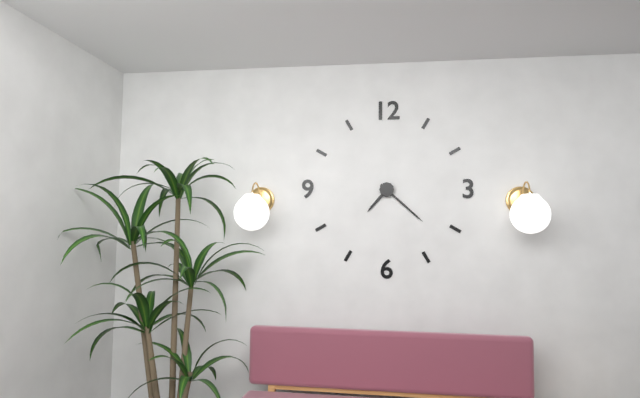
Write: 7:22
